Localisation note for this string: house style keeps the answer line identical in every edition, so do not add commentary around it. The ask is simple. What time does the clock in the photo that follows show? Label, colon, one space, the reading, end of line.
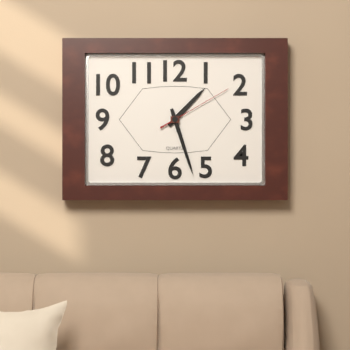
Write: 1:27:10
